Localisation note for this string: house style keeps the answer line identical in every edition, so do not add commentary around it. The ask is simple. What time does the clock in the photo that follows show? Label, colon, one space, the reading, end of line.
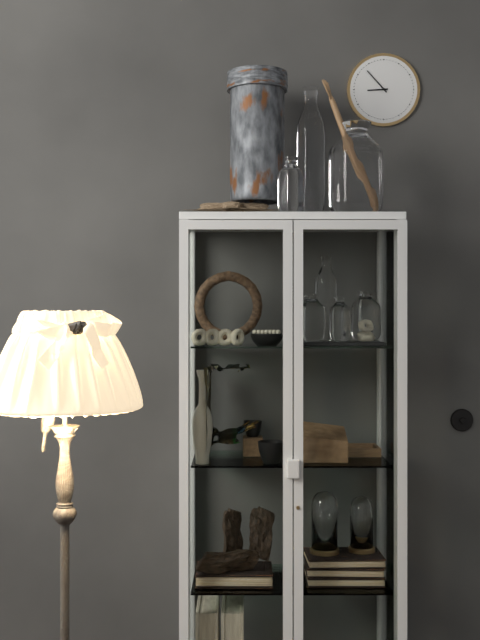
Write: 8:53
